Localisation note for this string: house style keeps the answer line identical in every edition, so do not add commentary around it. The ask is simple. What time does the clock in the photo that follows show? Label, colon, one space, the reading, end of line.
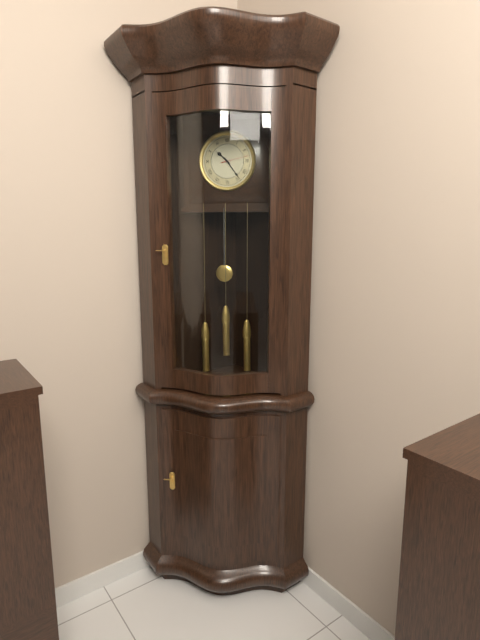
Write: 10:24
